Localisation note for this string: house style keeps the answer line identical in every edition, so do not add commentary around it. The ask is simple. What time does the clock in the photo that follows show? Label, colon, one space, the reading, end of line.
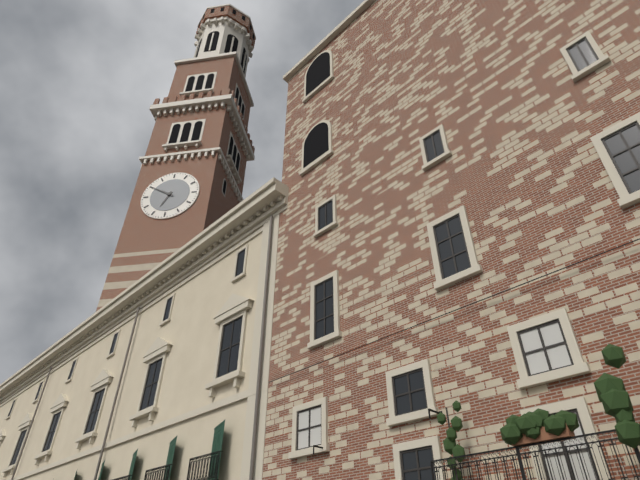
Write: 6:50
